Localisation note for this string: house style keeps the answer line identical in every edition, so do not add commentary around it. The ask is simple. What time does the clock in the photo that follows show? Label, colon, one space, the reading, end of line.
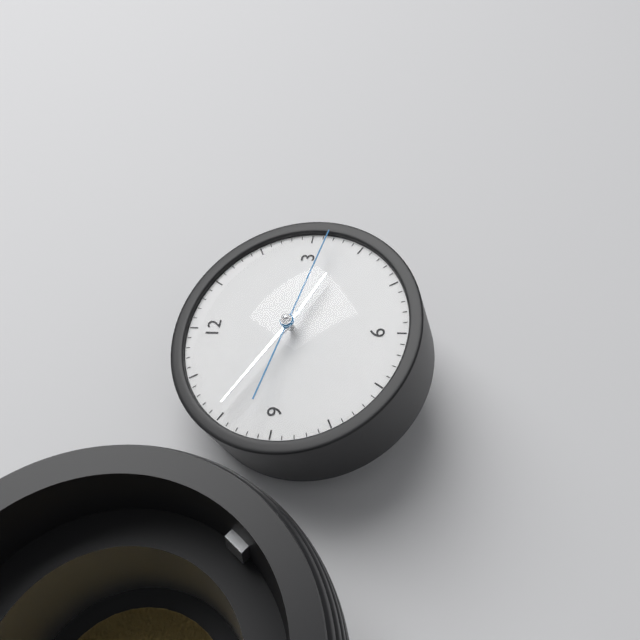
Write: 3:50:17
